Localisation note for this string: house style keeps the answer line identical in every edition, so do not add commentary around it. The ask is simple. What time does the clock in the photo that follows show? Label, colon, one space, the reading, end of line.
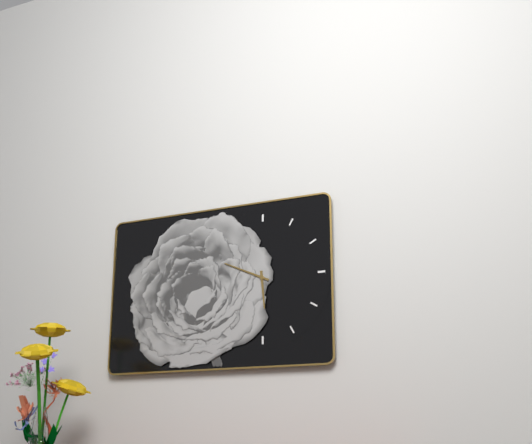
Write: 5:49
